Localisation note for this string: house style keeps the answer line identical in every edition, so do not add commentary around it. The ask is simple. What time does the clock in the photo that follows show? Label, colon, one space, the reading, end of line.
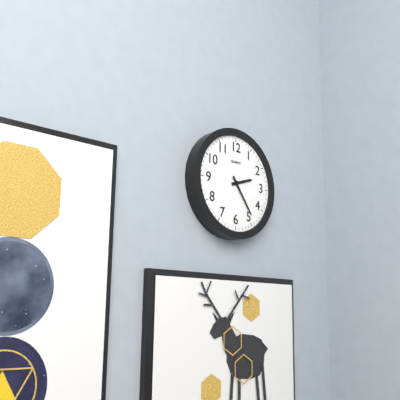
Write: 2:24
